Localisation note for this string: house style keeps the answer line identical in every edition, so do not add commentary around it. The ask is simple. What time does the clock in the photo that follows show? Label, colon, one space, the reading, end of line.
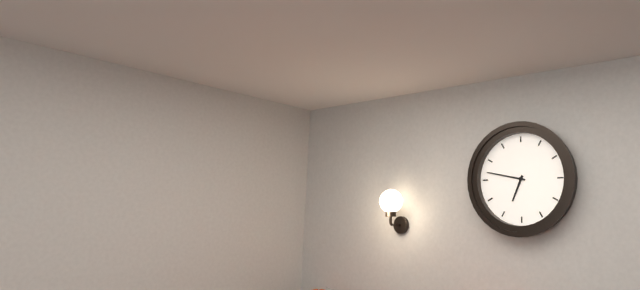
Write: 6:47
